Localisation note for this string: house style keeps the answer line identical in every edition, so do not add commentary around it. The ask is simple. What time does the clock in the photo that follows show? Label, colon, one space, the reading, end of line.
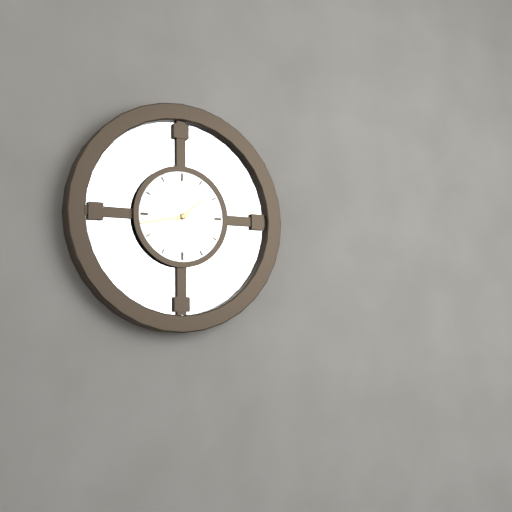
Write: 1:43
